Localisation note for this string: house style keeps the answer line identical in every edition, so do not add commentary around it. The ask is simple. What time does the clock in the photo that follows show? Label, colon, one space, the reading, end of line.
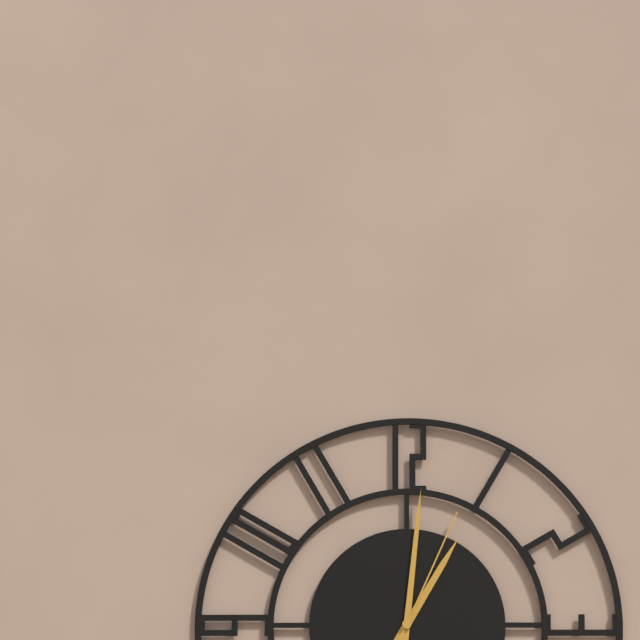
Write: 1:01:04
